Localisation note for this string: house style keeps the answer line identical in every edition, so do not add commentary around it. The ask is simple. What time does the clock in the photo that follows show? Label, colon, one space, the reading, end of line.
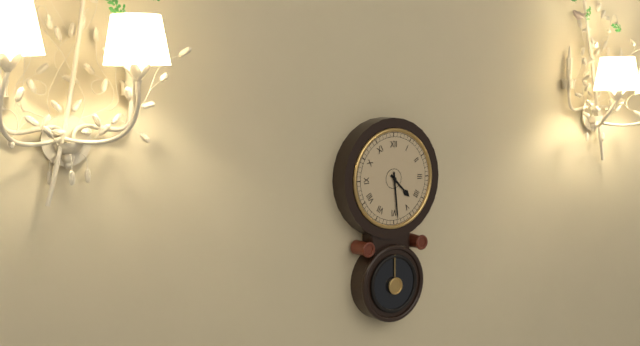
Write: 4:29
